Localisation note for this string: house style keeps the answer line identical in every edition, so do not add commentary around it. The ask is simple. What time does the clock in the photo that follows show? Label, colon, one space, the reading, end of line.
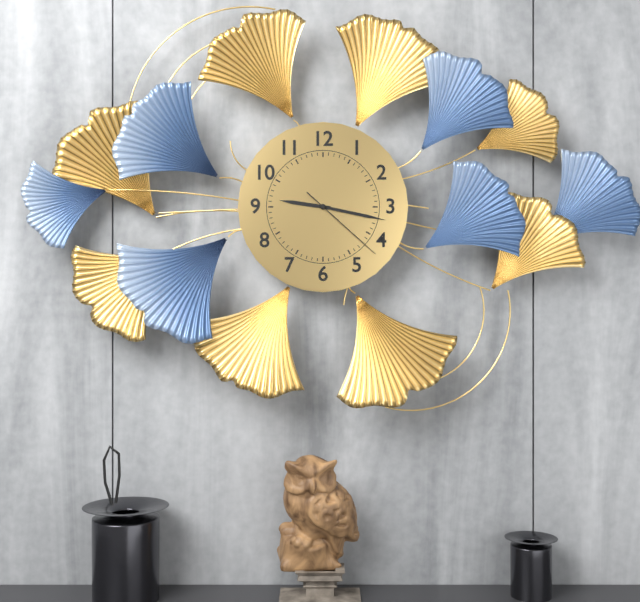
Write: 9:17:22
